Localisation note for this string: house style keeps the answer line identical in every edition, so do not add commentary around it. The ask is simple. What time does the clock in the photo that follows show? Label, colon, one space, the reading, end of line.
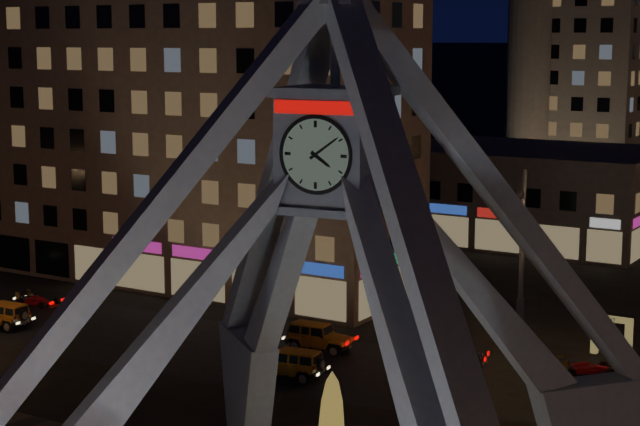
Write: 4:09
